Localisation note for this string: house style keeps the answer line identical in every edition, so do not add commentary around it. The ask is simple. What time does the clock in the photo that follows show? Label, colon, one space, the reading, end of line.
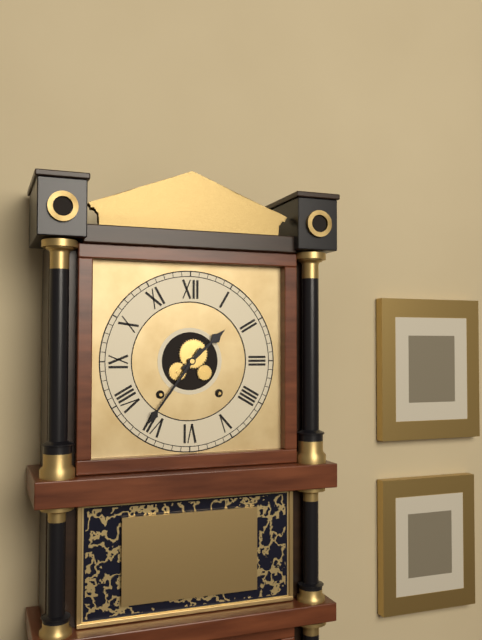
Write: 1:36
